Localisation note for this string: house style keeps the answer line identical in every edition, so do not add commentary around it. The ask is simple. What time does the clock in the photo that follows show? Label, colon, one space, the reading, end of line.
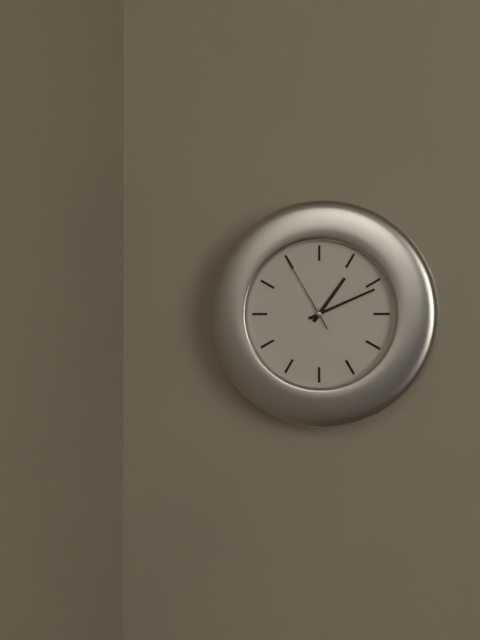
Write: 1:11:55
